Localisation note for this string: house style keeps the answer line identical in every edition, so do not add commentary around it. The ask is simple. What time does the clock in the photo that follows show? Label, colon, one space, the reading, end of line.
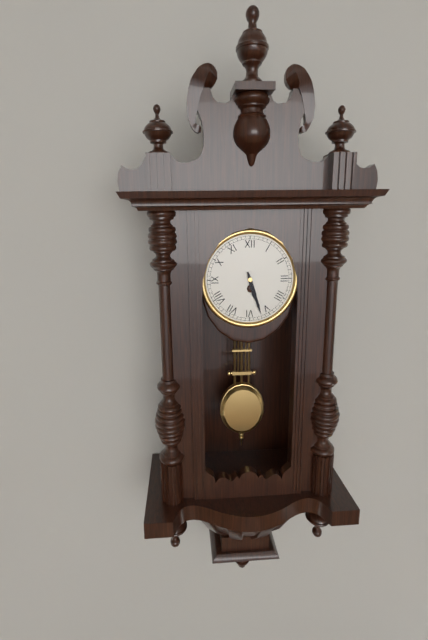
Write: 5:27
